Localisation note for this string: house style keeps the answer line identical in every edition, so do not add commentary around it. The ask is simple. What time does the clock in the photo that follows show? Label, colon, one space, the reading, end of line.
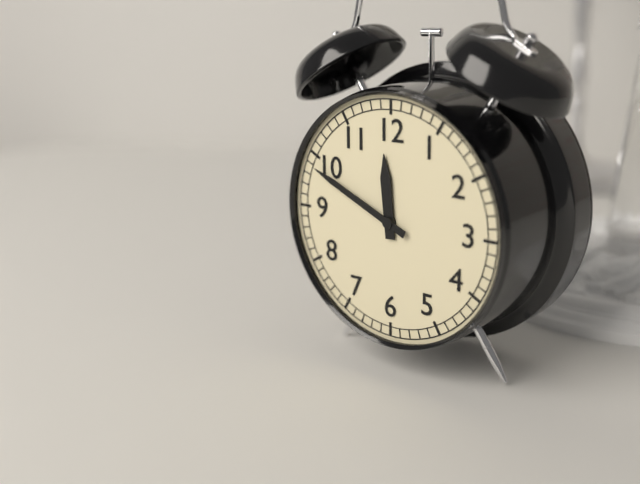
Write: 11:49
